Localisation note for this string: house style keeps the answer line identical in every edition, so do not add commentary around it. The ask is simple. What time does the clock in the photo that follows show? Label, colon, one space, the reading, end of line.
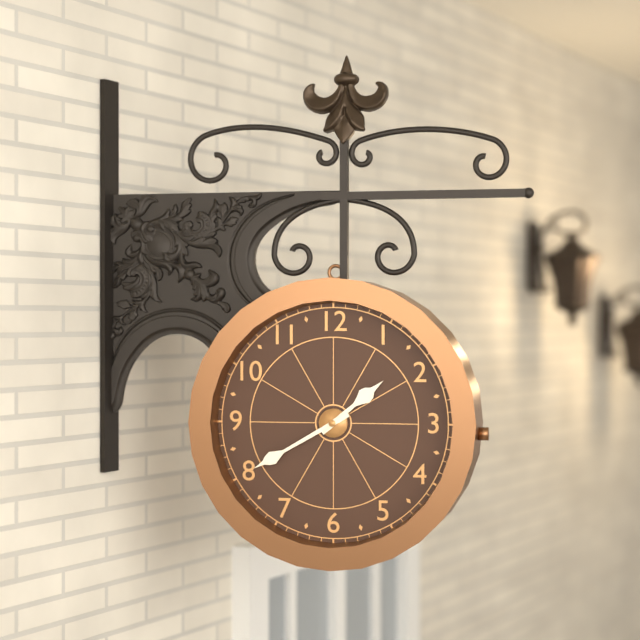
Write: 1:40
